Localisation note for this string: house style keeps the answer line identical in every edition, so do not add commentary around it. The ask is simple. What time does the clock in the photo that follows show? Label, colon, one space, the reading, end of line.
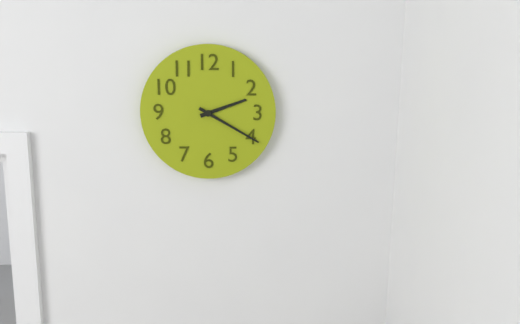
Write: 2:20
